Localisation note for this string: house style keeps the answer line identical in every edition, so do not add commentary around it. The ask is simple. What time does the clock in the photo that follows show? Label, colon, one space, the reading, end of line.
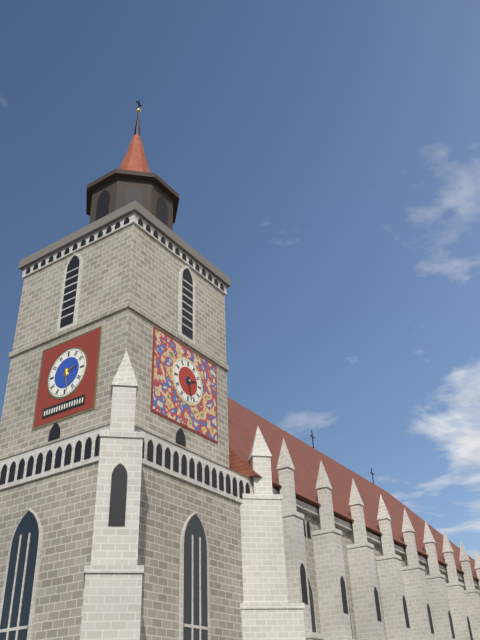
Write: 2:28
